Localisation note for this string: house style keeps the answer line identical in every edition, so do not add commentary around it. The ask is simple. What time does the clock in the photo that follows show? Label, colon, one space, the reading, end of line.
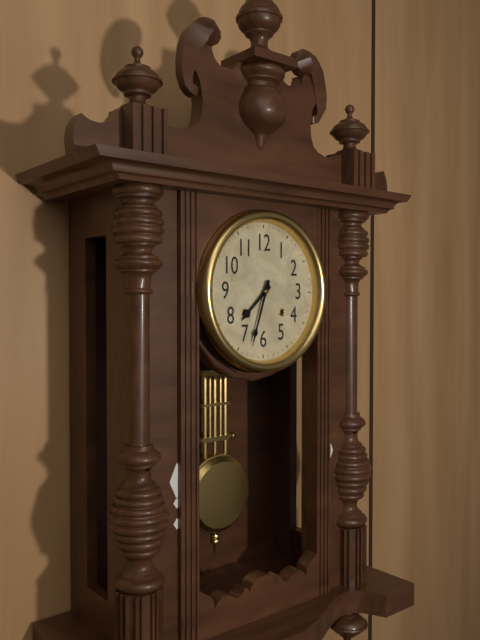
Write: 7:33
